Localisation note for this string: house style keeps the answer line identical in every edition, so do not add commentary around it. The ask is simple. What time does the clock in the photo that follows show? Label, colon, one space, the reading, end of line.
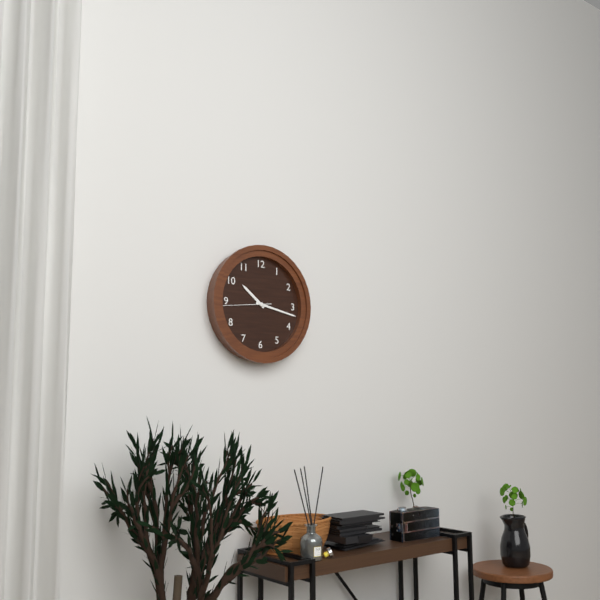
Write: 10:17:44
